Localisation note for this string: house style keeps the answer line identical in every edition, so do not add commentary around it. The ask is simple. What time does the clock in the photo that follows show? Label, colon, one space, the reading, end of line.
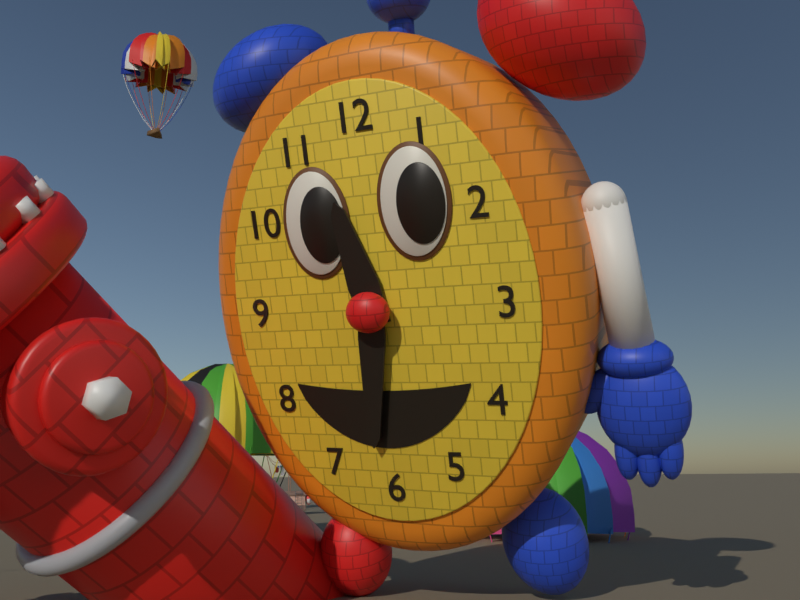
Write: 11:31
